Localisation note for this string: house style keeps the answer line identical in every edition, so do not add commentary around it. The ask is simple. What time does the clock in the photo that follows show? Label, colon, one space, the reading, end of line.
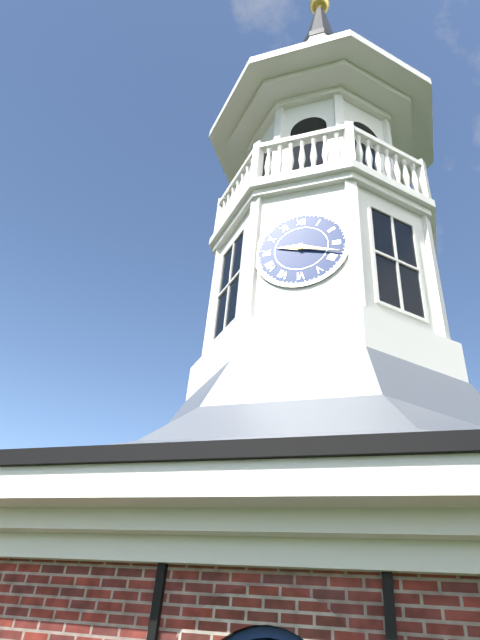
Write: 9:18
